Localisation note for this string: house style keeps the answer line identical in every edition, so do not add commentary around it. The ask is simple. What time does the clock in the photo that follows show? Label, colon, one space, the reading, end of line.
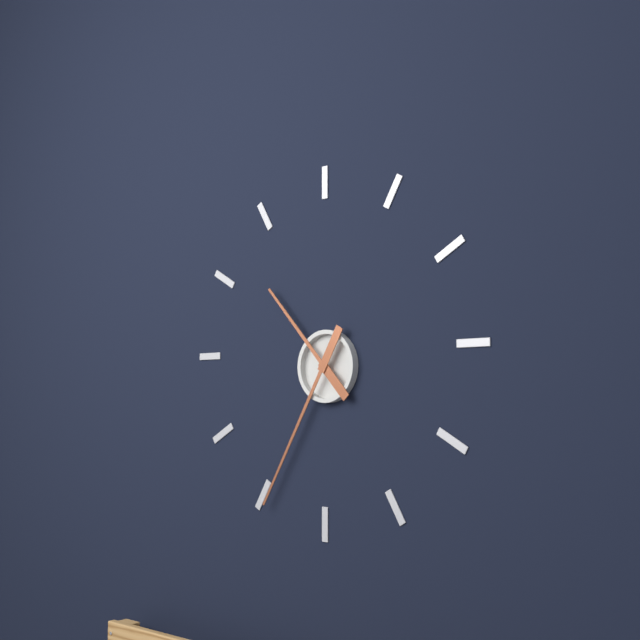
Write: 10:35
